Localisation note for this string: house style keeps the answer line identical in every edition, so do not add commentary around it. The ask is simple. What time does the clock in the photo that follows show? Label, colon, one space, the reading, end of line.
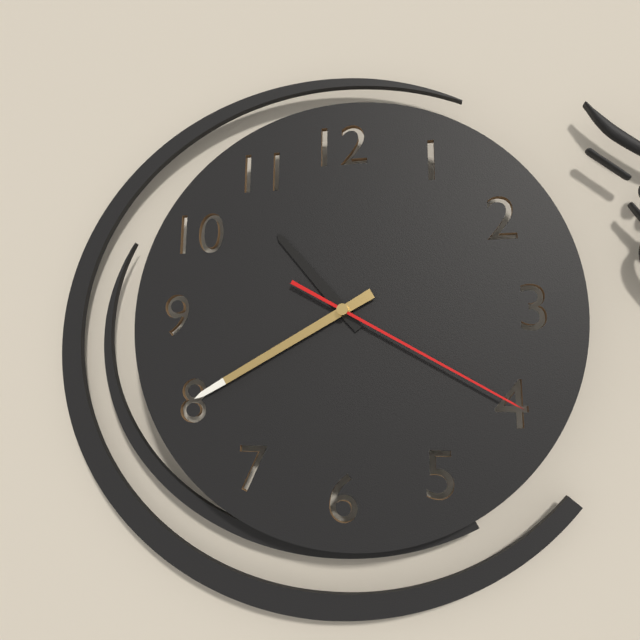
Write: 10:40:20
